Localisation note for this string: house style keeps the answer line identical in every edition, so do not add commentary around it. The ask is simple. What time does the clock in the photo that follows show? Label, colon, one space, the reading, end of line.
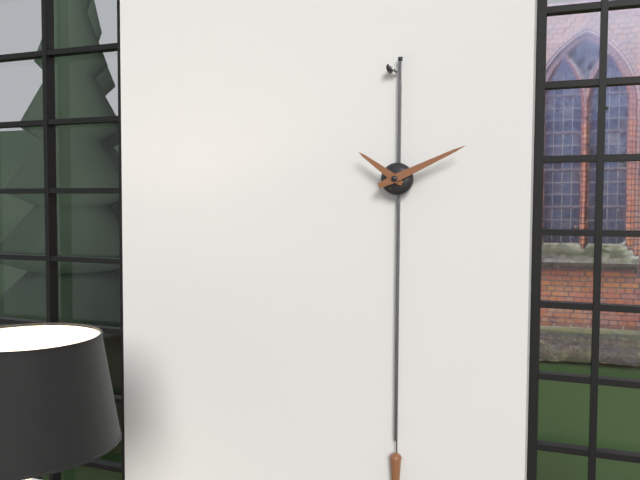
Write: 10:11
